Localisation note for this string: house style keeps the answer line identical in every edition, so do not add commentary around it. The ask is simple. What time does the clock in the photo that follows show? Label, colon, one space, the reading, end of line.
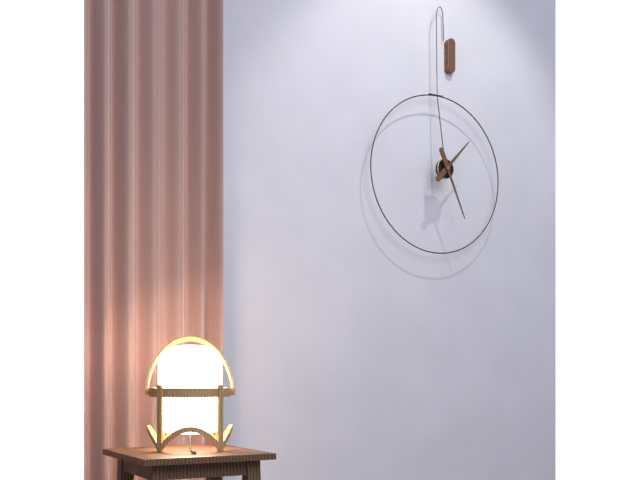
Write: 1:26
